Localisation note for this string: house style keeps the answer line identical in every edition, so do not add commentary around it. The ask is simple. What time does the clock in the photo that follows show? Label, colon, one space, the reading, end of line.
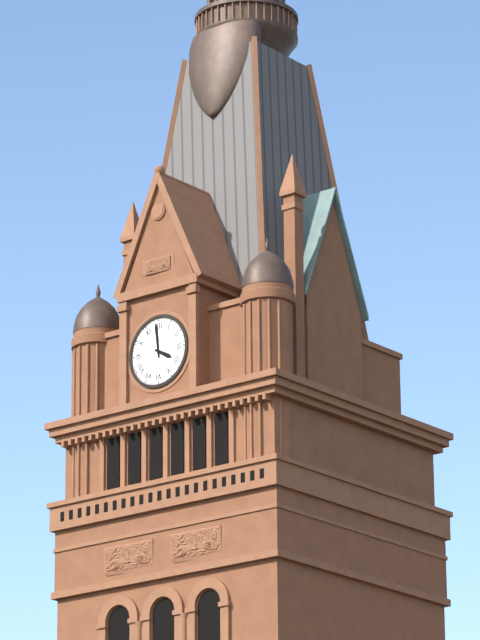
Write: 3:59
